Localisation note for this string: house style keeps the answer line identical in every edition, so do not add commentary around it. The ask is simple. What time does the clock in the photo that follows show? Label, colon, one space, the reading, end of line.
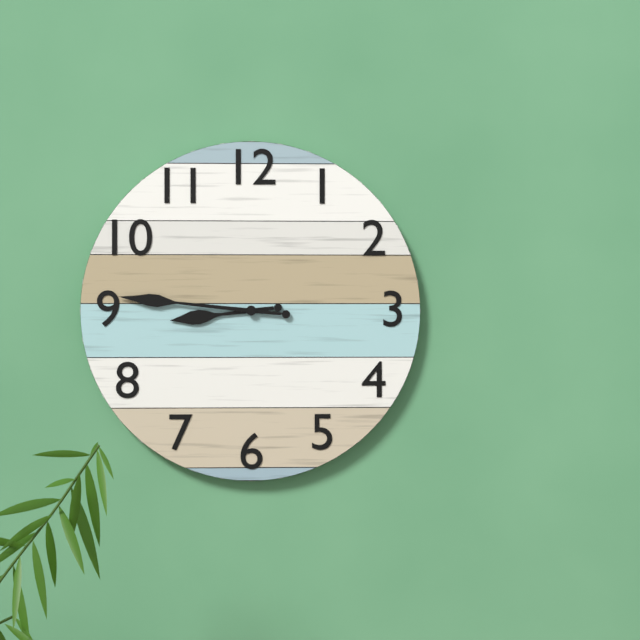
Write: 8:46
